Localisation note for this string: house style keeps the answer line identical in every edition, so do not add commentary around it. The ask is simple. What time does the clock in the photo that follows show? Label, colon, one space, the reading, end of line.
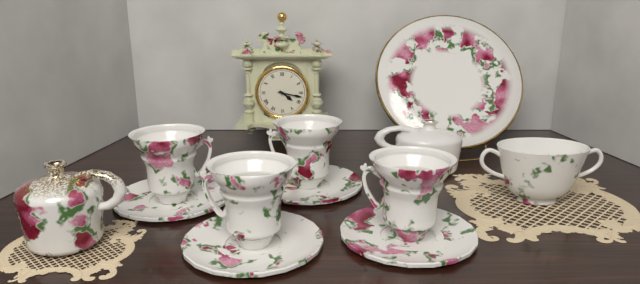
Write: 4:17
